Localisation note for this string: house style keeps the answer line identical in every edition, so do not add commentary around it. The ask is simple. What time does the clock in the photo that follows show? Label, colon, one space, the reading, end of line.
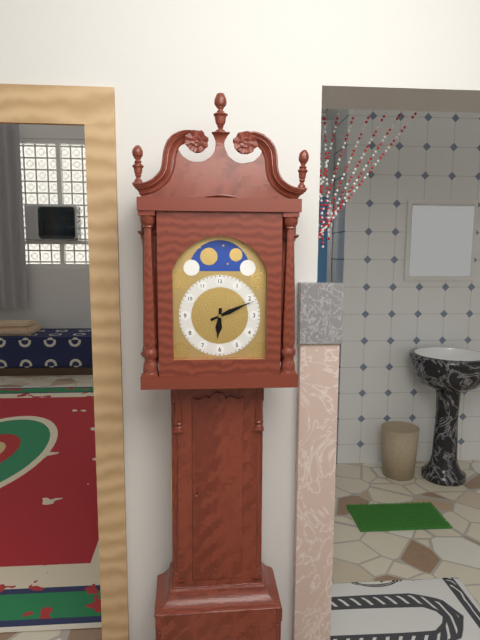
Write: 6:11
